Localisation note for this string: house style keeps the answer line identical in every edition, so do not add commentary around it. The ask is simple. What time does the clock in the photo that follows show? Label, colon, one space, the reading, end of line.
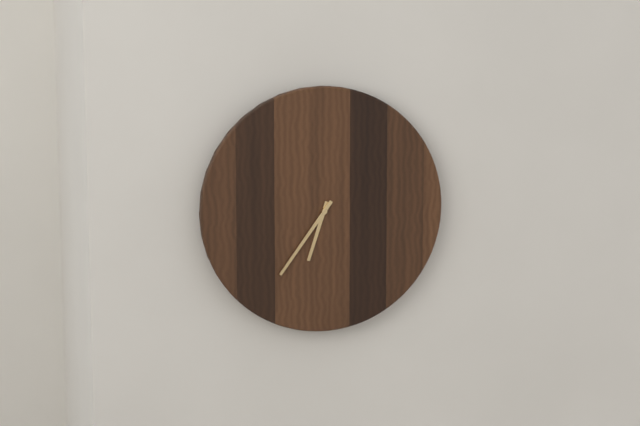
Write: 6:36
